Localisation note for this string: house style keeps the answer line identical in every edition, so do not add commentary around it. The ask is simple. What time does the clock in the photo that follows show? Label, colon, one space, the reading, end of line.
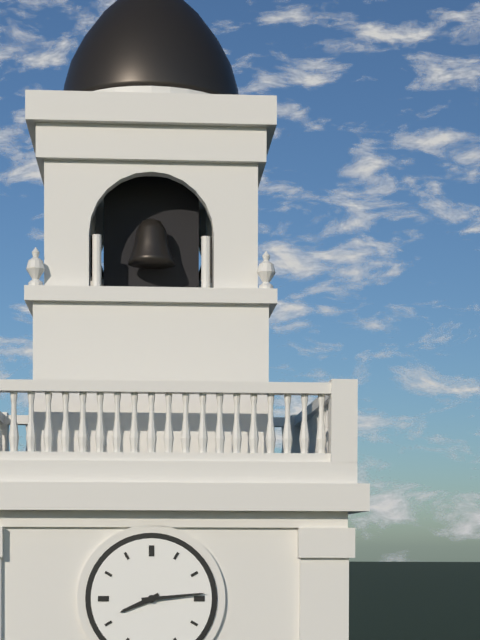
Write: 8:14
